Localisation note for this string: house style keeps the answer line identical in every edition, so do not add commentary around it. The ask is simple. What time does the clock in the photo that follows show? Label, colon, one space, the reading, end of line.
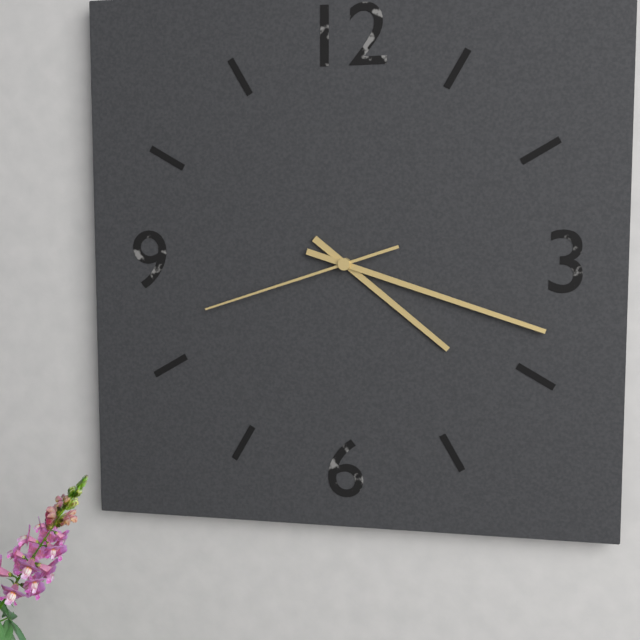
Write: 4:18:42
